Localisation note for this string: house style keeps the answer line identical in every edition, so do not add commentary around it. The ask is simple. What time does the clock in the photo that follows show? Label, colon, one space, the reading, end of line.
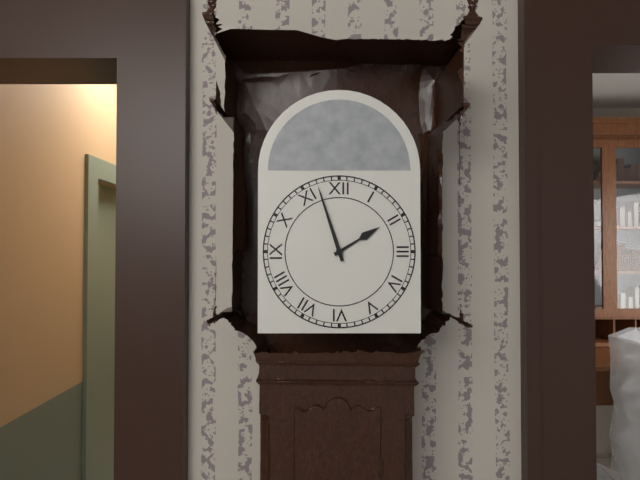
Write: 1:57
